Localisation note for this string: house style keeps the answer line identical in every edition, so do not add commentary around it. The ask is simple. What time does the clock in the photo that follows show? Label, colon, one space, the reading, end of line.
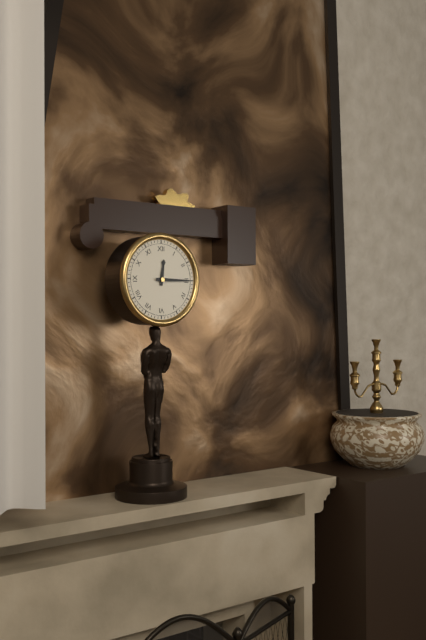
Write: 12:15
